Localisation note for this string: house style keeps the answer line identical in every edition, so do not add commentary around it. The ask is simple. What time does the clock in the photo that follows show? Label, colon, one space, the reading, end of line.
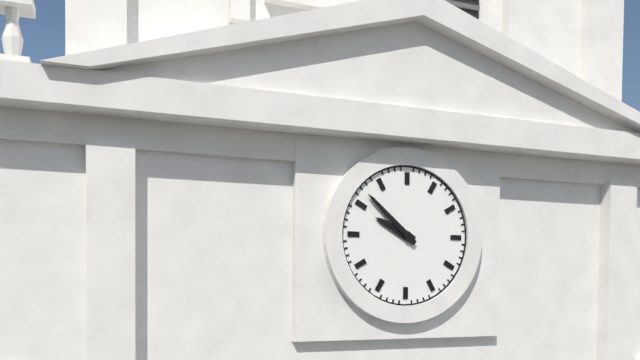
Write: 9:52
